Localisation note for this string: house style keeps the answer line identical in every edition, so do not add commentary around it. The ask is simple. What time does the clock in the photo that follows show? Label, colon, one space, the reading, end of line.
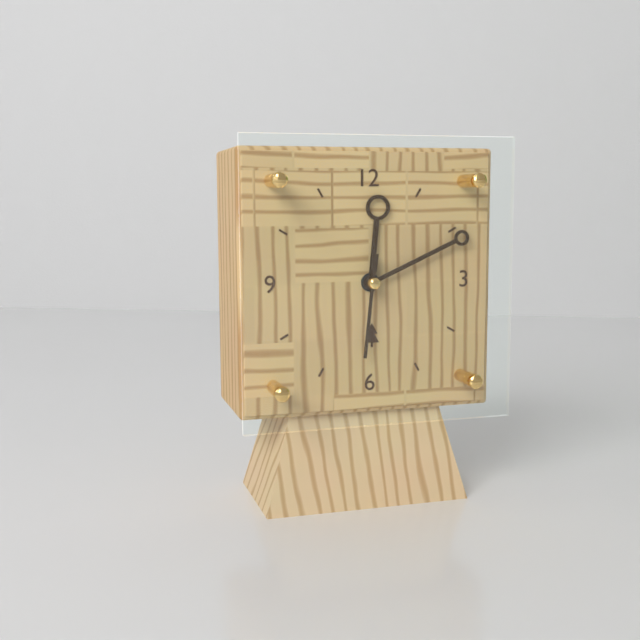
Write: 12:11:31
